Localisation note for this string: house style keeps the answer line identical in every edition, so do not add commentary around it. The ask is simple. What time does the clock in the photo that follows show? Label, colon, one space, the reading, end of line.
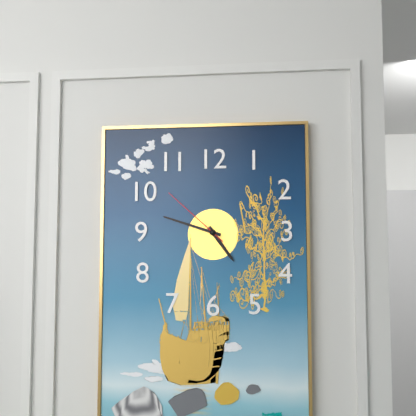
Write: 4:48:52
